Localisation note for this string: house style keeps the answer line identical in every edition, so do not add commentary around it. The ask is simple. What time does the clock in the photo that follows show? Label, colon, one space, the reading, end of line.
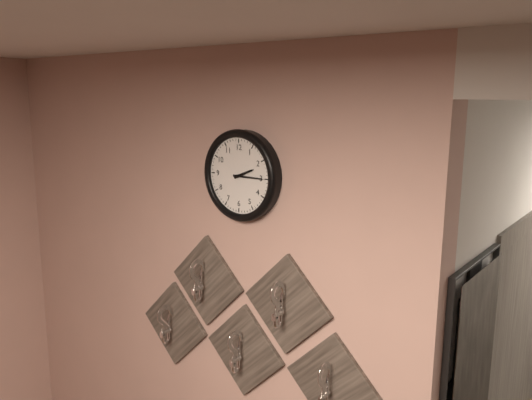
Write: 2:15
